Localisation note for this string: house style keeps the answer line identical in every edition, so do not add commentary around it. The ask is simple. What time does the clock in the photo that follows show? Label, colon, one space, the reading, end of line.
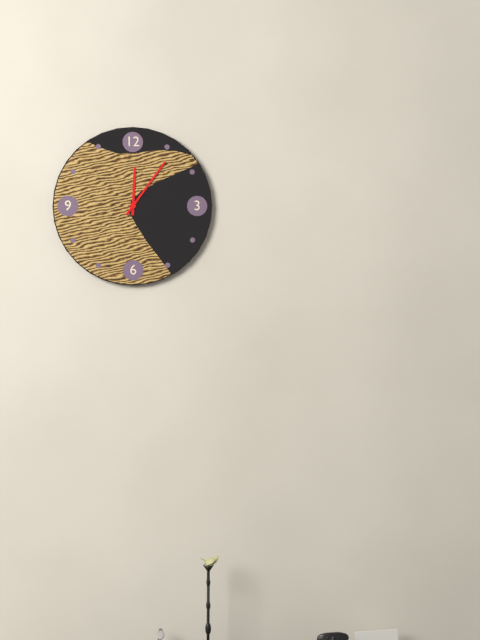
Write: 12:06
